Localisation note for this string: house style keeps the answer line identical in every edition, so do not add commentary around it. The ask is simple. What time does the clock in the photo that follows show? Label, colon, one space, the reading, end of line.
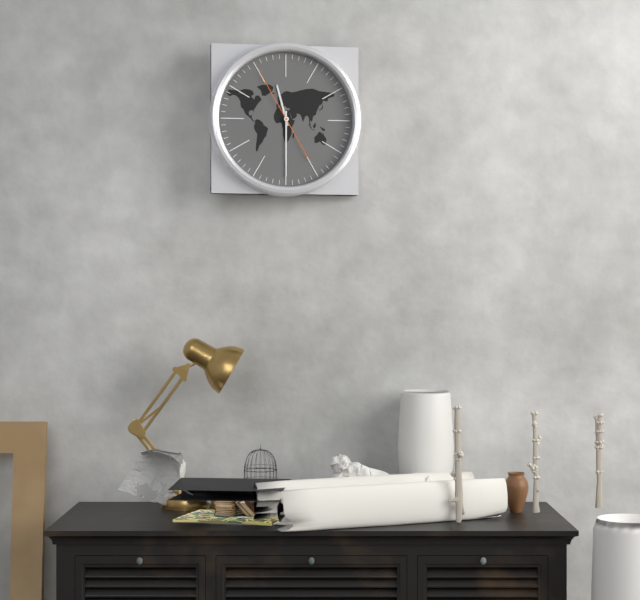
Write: 11:30:55
